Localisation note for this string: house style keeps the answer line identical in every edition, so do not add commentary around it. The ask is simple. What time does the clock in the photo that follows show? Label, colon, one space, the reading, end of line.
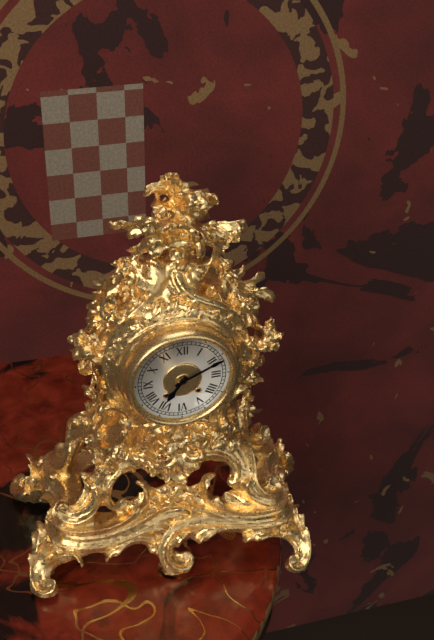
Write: 7:11
